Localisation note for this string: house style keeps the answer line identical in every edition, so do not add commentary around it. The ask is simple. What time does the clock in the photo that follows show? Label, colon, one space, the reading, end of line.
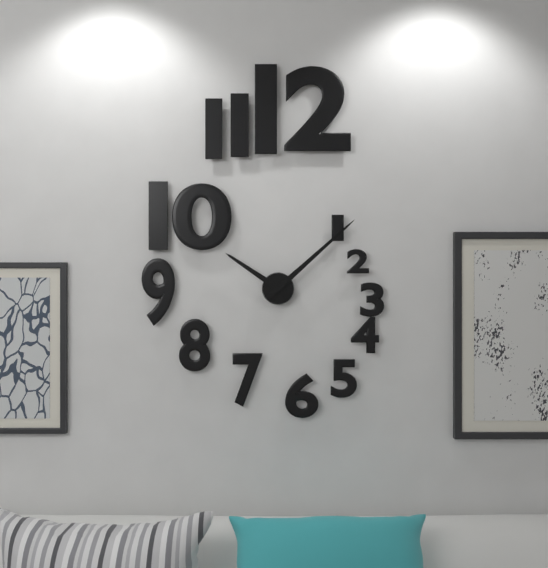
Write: 10:08
